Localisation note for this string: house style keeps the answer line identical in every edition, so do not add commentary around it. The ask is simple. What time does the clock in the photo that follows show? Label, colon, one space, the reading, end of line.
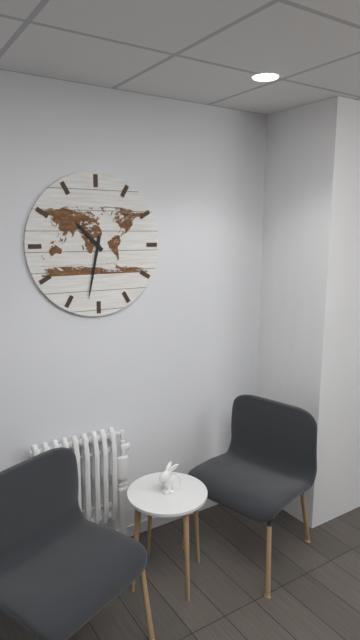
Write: 10:32
